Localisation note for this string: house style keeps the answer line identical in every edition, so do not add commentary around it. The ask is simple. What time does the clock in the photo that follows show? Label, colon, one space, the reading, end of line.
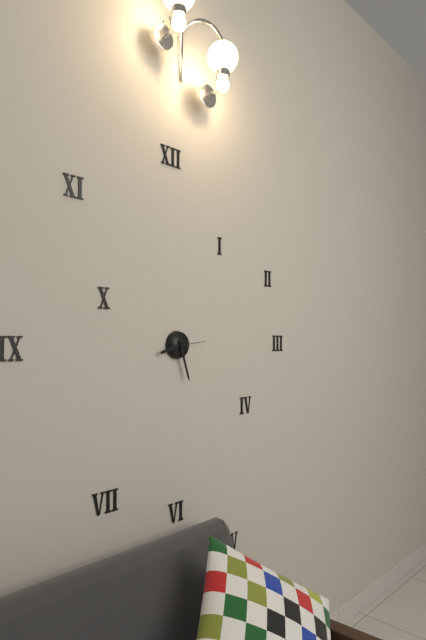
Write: 8:27
